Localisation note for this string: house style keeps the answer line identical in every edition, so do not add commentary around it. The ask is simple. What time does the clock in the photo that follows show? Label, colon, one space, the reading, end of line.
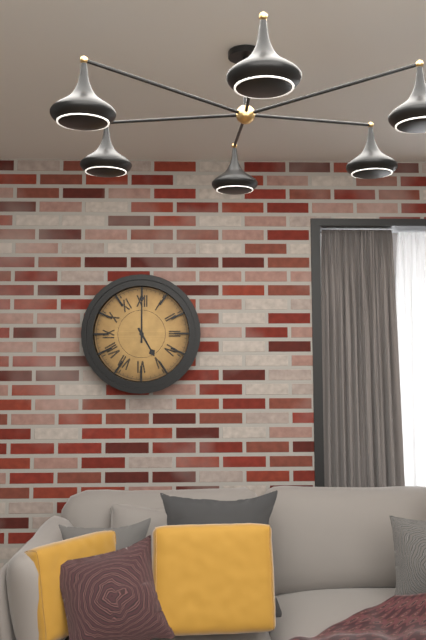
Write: 5:00
